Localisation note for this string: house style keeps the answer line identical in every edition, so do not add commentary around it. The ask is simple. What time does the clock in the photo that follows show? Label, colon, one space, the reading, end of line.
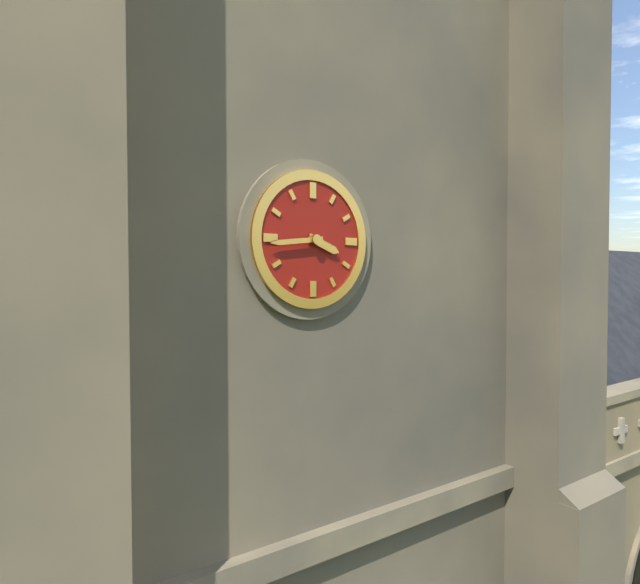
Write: 3:44
